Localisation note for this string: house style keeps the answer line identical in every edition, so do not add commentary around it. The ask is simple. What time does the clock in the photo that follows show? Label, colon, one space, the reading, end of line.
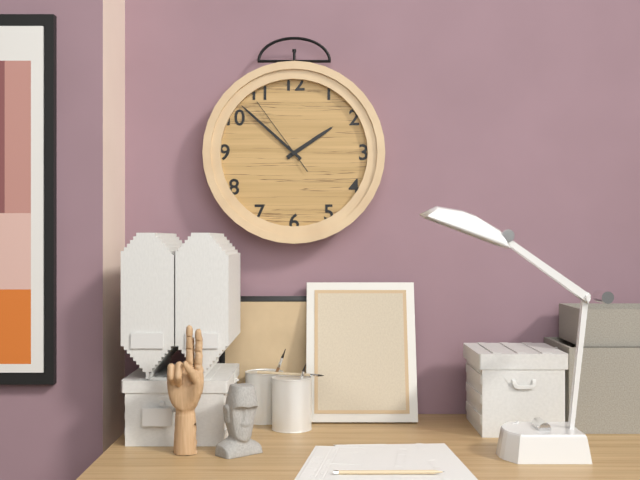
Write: 1:52:54
